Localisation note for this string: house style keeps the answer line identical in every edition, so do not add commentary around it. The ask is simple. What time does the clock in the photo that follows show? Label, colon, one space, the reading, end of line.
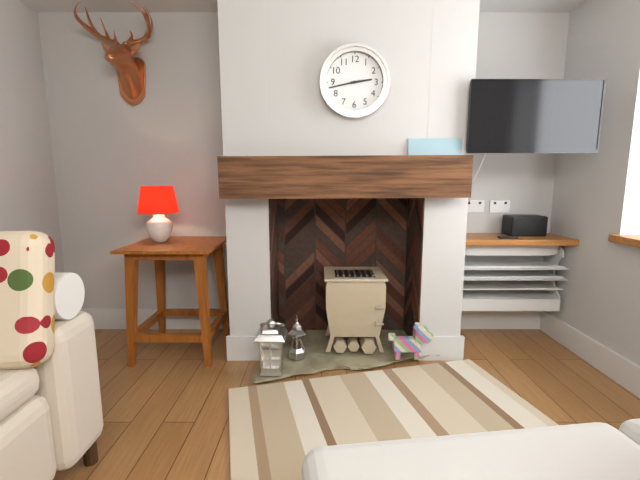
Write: 2:43
